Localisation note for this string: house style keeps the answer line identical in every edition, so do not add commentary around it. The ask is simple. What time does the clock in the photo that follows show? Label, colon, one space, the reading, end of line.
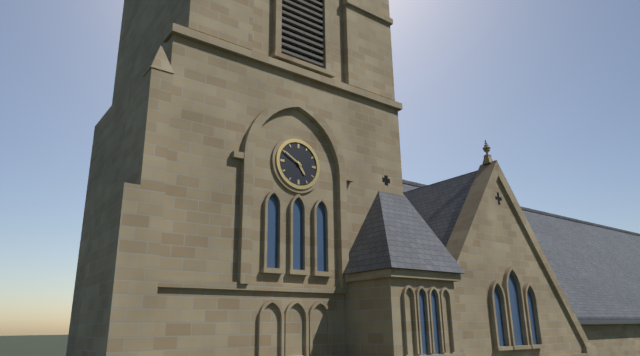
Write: 4:50
